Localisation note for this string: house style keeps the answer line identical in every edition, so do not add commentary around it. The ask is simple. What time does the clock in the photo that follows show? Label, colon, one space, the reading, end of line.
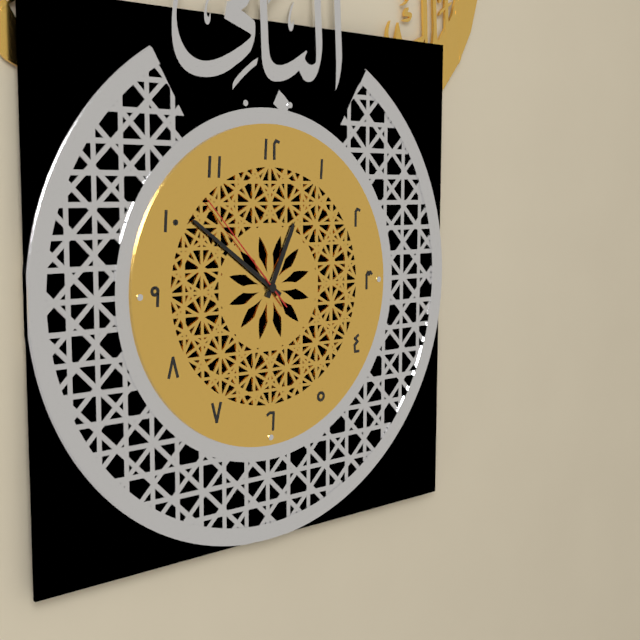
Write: 12:51:53
